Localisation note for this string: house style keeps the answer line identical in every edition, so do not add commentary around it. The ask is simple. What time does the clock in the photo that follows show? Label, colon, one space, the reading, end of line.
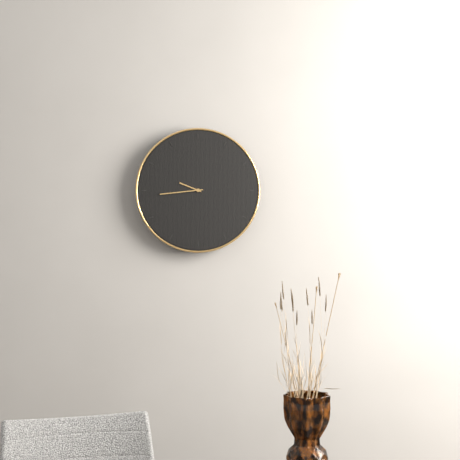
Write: 9:44
